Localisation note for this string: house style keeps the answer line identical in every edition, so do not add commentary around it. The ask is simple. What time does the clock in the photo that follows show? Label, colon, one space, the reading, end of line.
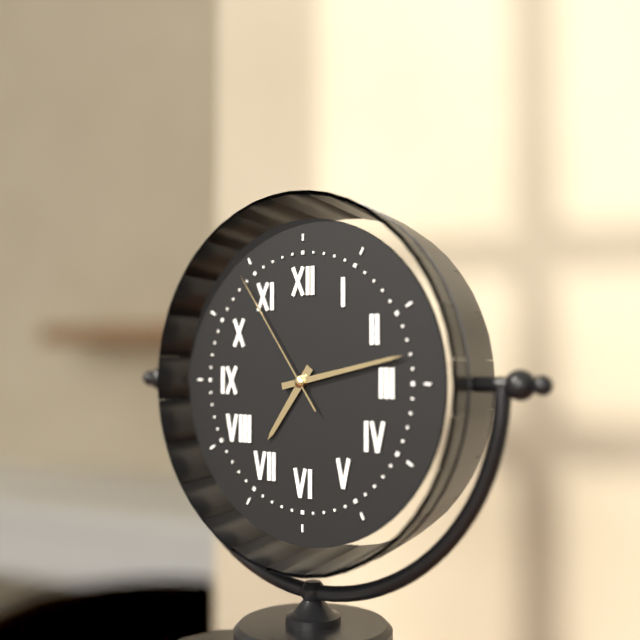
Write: 7:13:54
